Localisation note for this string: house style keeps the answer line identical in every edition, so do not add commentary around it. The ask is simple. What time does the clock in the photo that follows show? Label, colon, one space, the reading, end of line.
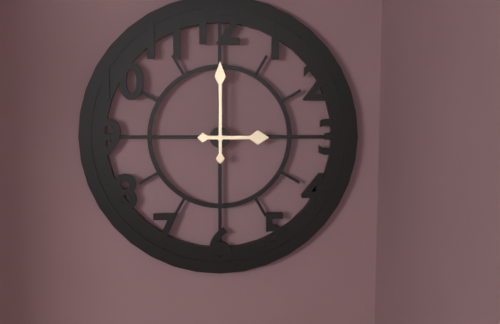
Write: 3:00
